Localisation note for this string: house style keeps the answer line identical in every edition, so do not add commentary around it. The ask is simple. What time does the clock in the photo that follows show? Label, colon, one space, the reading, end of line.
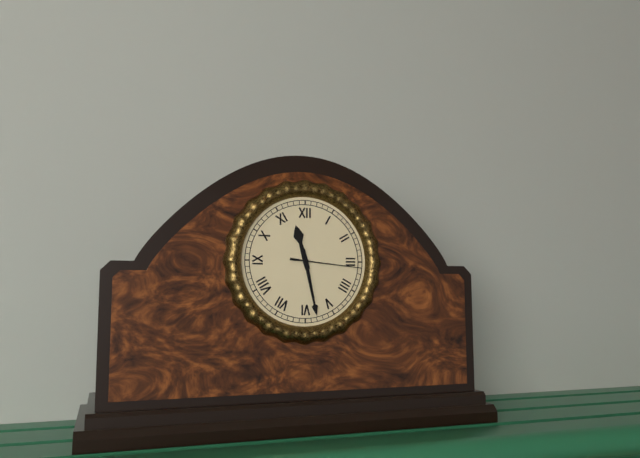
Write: 11:28:16
